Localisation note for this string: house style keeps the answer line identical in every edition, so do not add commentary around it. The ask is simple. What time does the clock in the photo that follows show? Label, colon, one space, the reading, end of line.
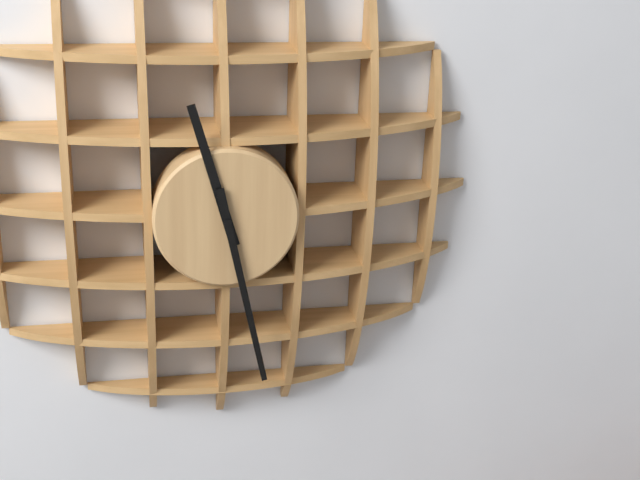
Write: 11:28
